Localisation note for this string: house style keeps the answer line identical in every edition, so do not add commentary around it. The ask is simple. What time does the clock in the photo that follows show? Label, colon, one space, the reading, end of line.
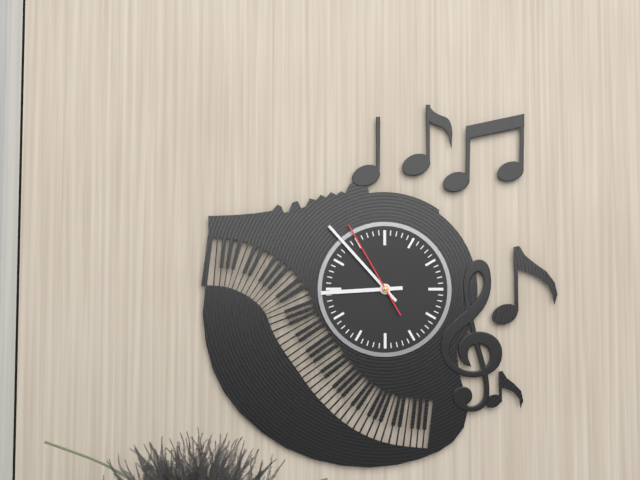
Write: 8:53:55
